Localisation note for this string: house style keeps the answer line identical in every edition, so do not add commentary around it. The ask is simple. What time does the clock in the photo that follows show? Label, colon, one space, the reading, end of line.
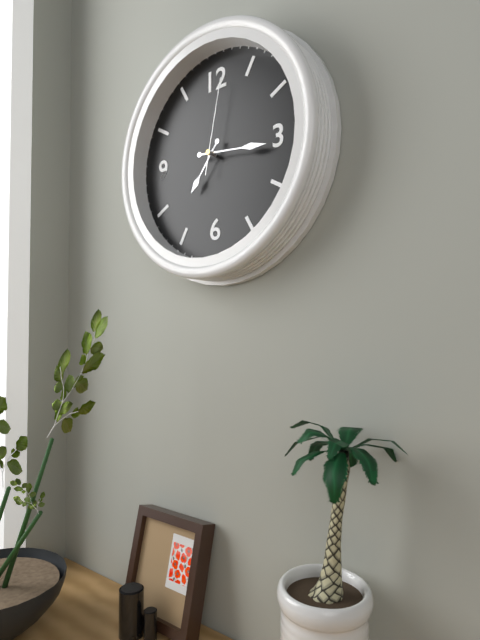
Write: 7:16:02
